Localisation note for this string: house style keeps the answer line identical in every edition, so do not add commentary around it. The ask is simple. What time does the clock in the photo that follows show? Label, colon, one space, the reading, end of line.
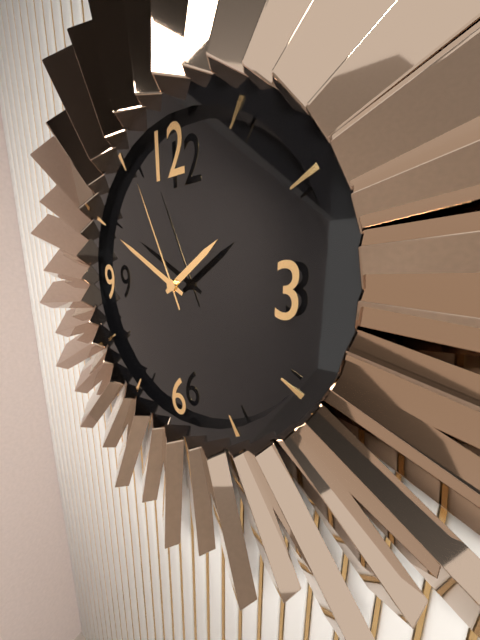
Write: 1:50:56
